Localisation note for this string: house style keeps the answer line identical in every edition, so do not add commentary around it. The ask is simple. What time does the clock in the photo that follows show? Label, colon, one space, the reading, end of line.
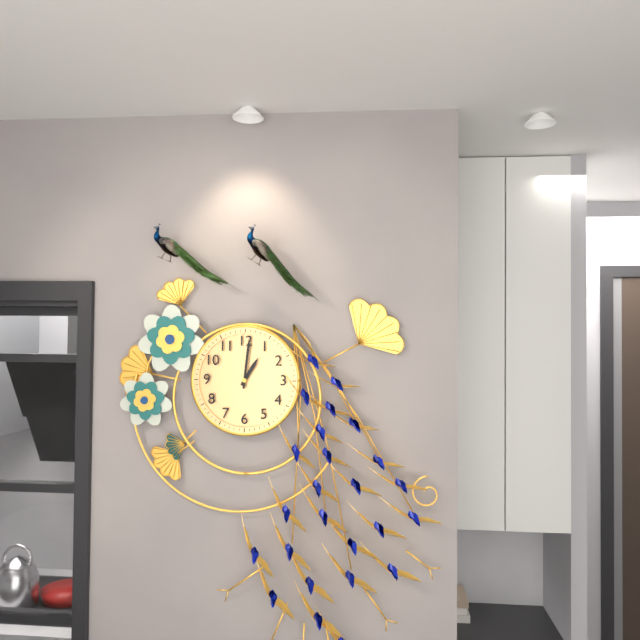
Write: 1:01
